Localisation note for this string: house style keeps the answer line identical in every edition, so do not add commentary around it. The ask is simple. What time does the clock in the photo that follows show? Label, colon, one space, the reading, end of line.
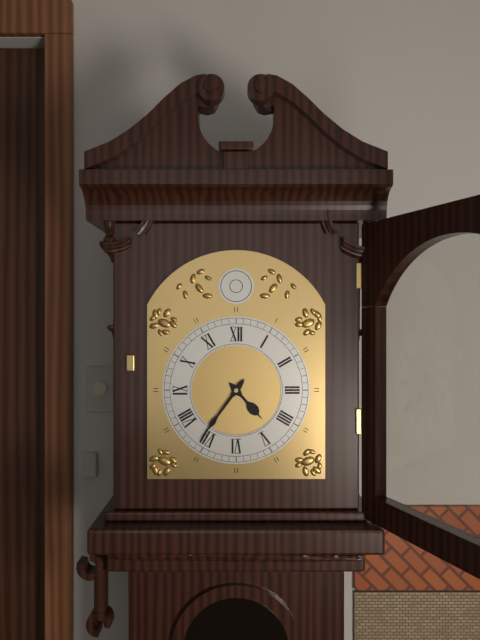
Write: 4:36
